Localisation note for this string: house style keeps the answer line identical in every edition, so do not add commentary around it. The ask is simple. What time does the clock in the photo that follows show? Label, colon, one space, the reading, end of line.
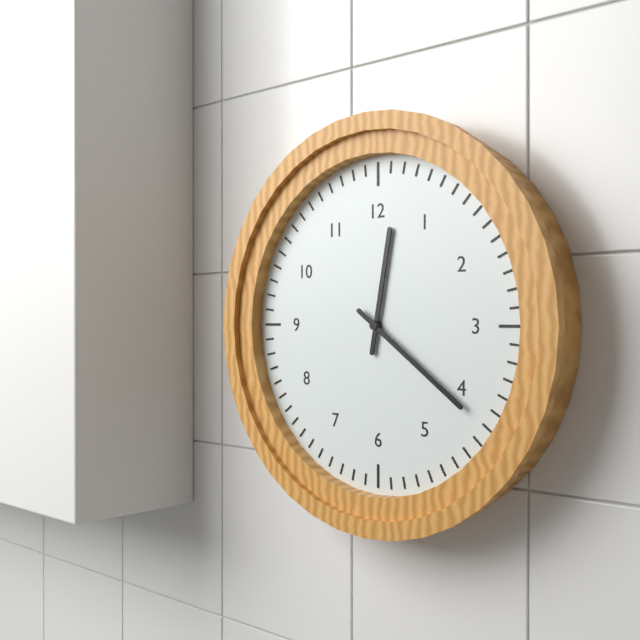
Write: 12:21
